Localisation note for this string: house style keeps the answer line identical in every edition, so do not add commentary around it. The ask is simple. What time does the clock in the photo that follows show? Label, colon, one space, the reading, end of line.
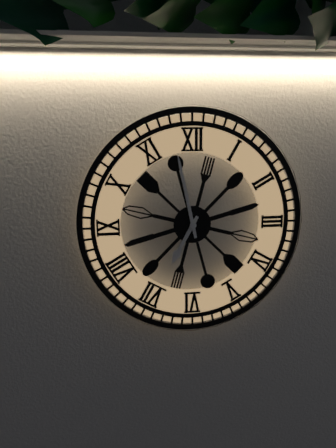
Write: 6:58
